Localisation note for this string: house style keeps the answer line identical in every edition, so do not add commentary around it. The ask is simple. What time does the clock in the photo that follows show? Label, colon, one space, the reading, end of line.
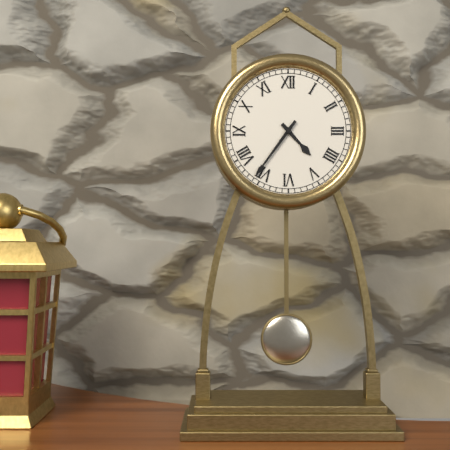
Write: 4:36
